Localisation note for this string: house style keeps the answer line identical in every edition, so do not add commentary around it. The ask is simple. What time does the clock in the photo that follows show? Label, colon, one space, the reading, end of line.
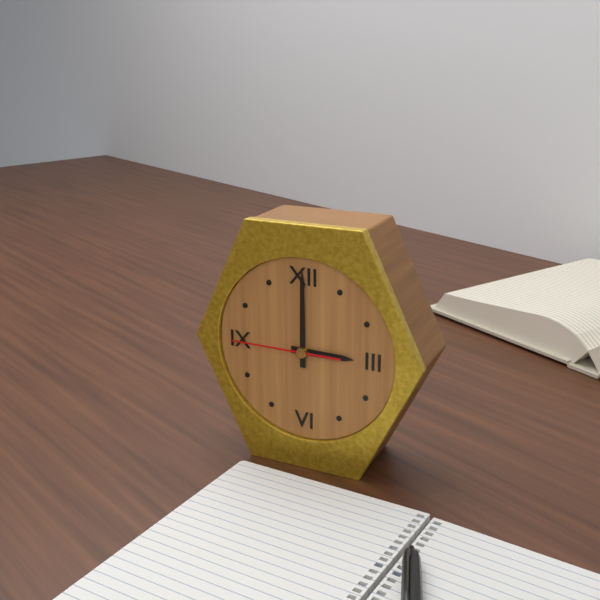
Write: 3:00:45
